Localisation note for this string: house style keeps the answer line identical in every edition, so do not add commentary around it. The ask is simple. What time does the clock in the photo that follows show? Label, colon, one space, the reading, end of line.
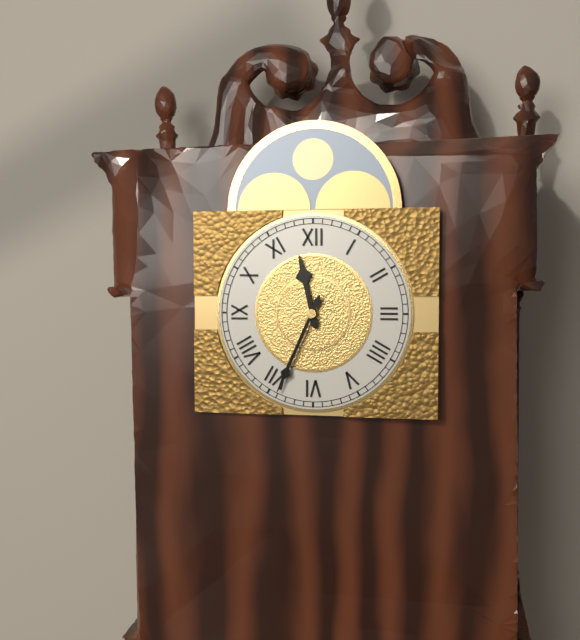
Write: 11:34
